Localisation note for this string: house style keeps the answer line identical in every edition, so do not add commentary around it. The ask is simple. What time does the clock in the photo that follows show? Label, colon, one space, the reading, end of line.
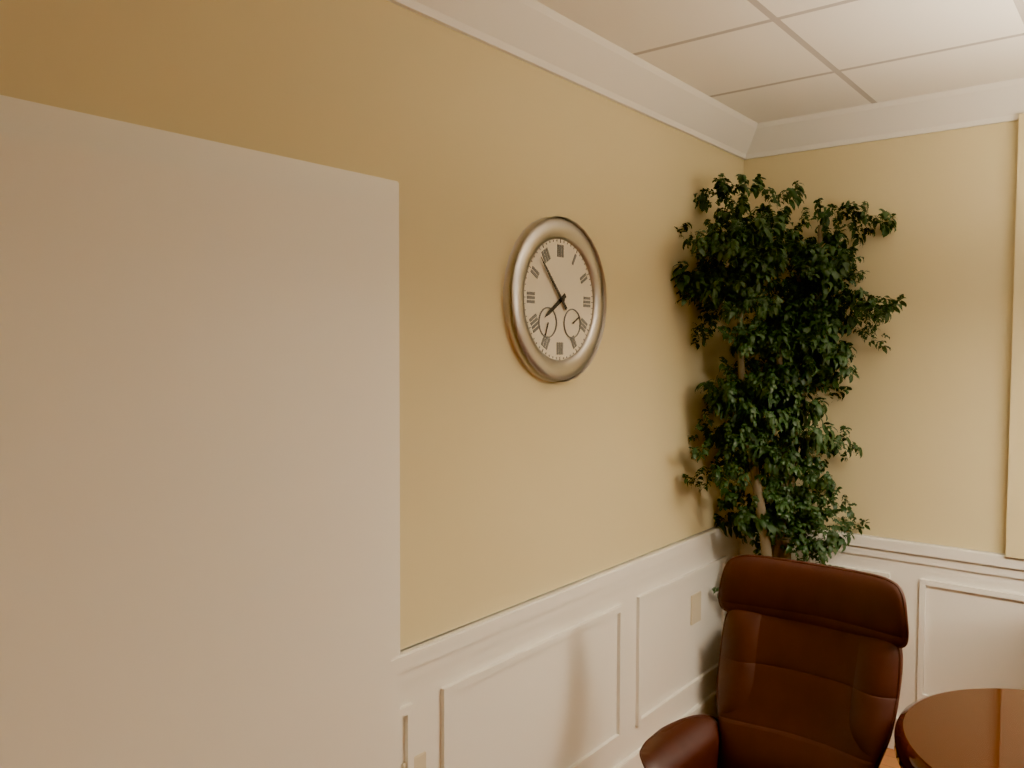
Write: 7:53
